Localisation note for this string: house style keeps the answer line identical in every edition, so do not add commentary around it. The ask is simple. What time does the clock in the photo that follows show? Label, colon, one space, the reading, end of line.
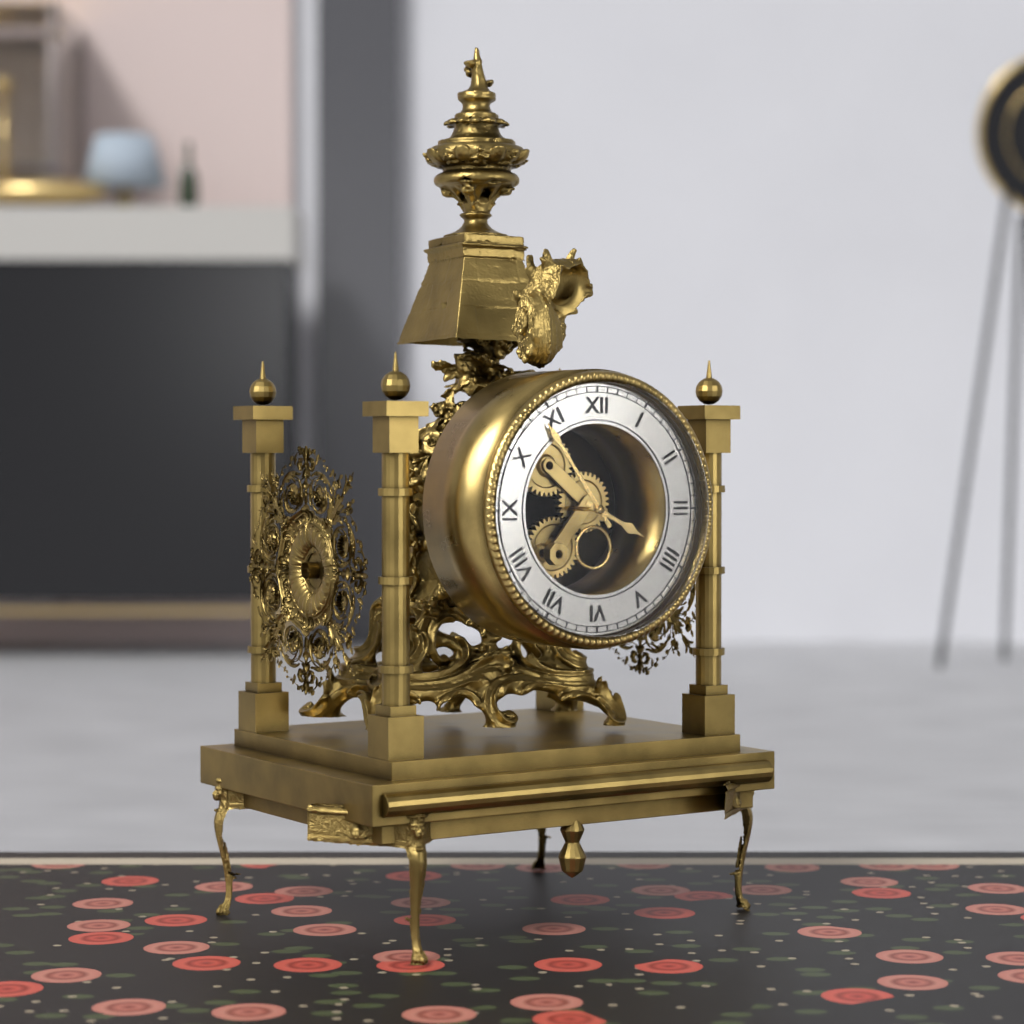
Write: 3:54
